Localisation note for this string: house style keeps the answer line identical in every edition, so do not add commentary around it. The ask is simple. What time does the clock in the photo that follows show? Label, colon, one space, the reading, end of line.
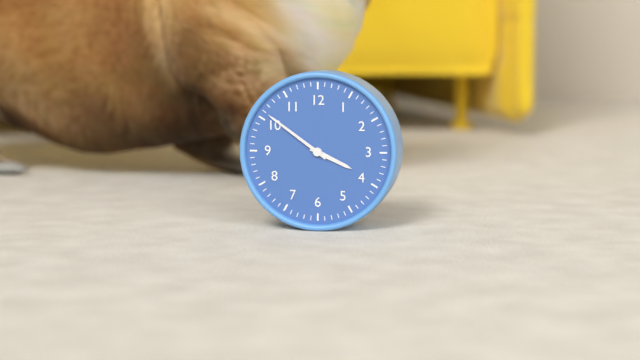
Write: 3:51
